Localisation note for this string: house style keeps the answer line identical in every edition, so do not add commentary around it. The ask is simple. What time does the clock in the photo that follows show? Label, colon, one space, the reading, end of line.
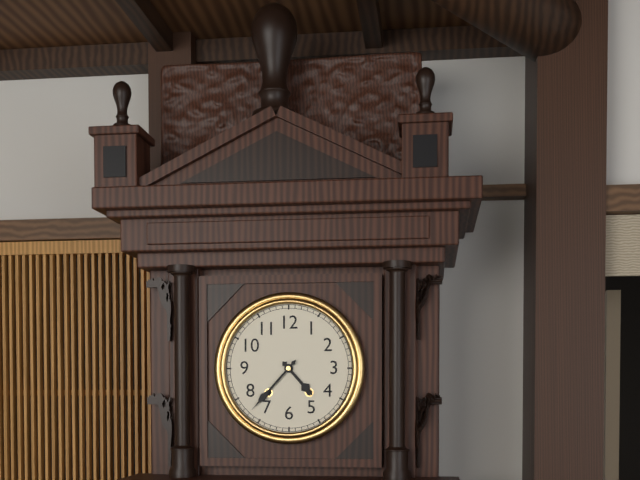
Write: 4:37
